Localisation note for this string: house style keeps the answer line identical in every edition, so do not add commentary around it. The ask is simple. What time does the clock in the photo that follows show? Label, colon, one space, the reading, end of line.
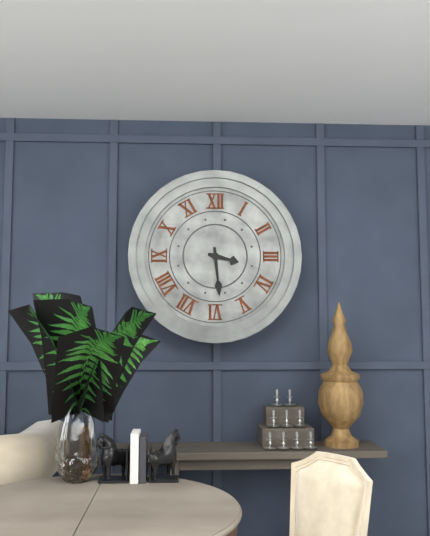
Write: 3:29
